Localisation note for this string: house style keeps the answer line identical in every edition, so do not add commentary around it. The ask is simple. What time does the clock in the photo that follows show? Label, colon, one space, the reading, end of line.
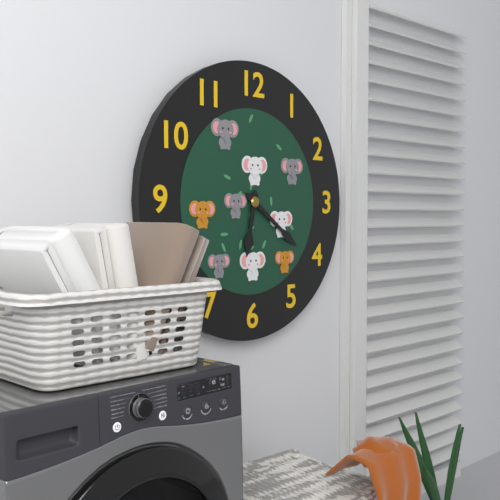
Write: 6:21
